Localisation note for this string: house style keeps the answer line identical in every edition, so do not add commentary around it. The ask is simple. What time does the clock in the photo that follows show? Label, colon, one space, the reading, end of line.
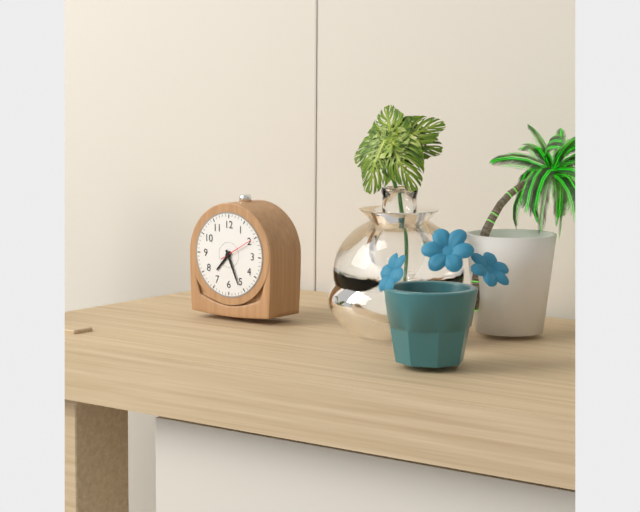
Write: 7:26
